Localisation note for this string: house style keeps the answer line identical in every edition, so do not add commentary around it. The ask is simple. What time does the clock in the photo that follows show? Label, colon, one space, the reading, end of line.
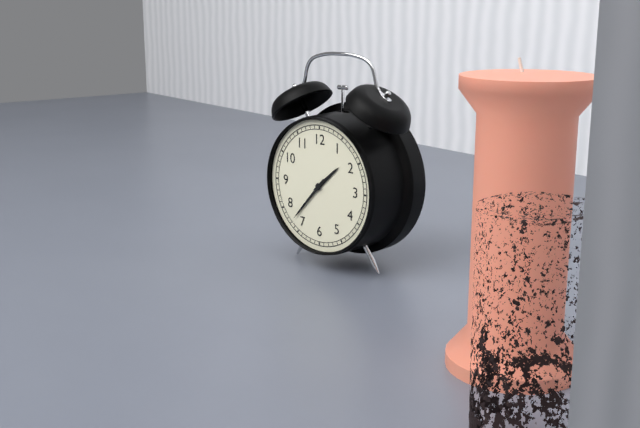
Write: 1:37
